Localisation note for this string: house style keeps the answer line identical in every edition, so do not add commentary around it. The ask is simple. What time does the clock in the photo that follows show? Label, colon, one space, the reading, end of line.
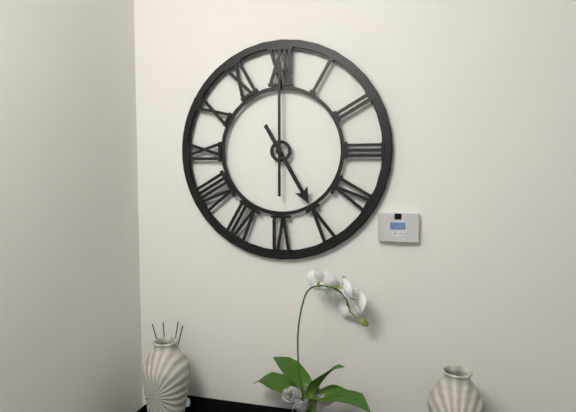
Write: 5:00
